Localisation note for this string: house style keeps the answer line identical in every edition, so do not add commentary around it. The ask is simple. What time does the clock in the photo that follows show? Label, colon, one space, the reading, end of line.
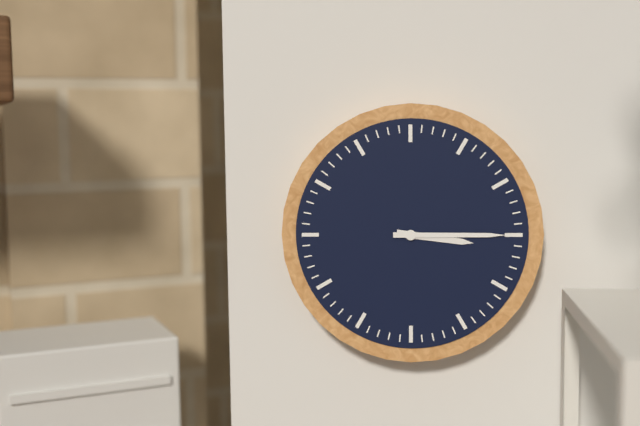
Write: 3:15
